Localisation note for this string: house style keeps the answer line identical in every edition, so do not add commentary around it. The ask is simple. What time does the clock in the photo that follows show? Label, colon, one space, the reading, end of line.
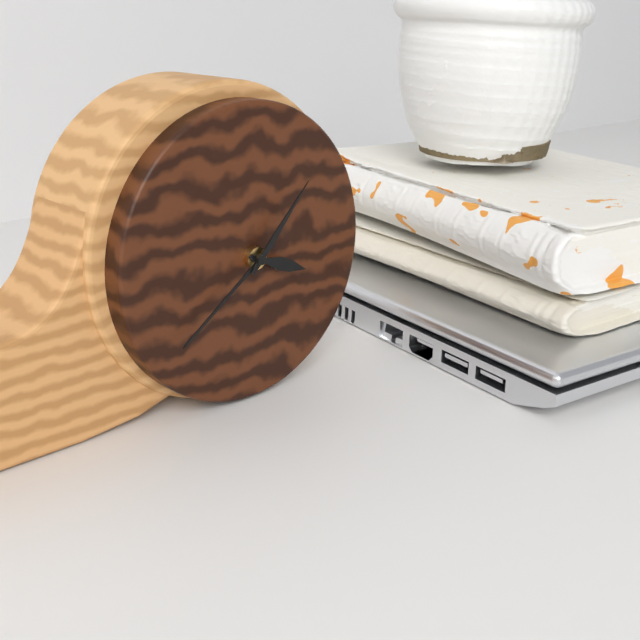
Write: 3:39:07
